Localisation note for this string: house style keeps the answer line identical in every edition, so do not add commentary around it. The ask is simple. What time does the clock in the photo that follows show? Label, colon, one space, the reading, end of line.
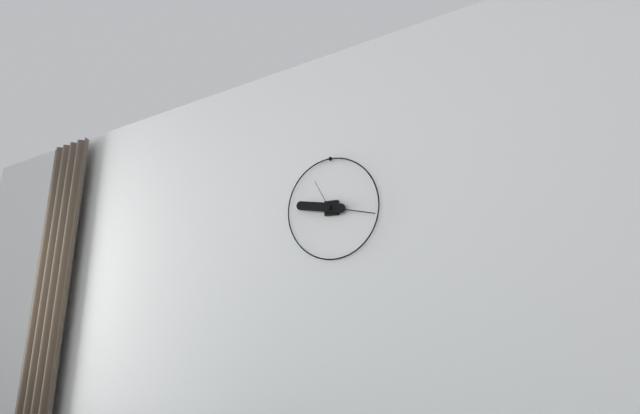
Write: 9:17
